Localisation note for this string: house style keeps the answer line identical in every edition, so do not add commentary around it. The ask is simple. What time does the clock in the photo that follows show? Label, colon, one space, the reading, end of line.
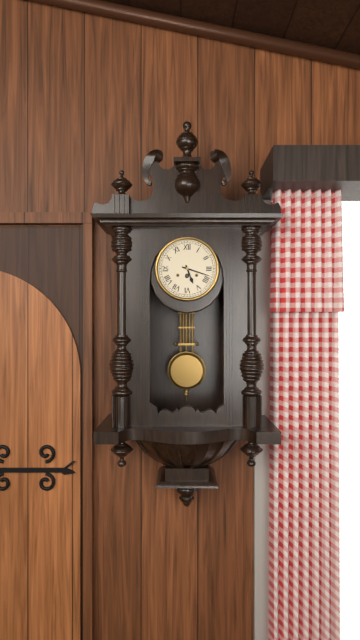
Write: 5:18
